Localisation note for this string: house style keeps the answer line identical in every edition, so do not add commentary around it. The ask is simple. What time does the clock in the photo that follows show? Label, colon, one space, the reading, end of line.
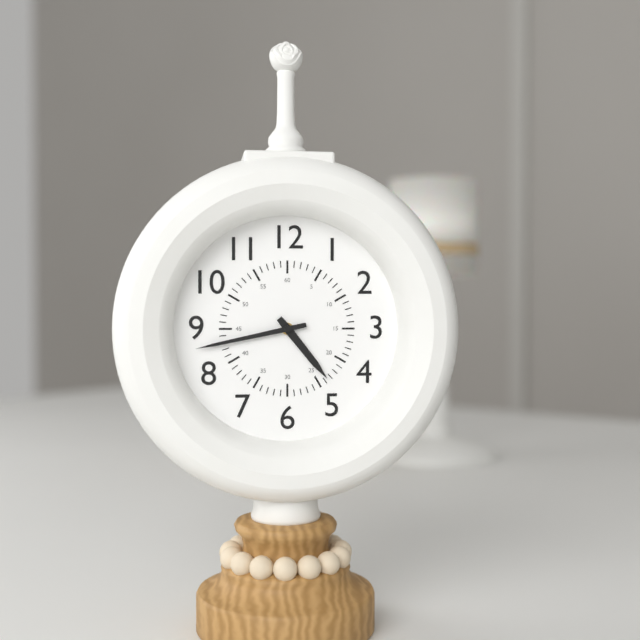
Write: 4:43
